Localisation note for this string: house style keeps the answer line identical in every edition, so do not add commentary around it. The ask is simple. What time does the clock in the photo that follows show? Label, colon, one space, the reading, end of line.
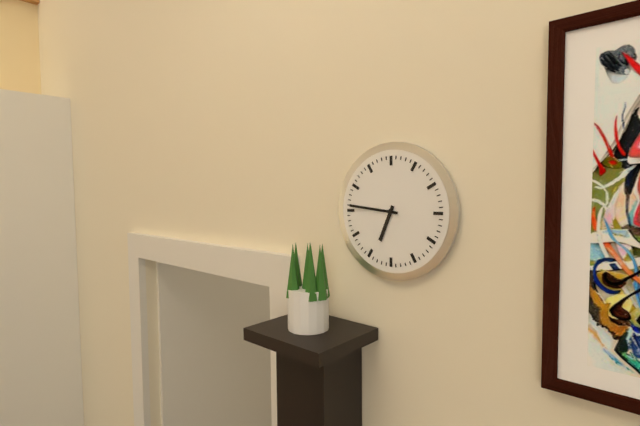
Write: 6:46
